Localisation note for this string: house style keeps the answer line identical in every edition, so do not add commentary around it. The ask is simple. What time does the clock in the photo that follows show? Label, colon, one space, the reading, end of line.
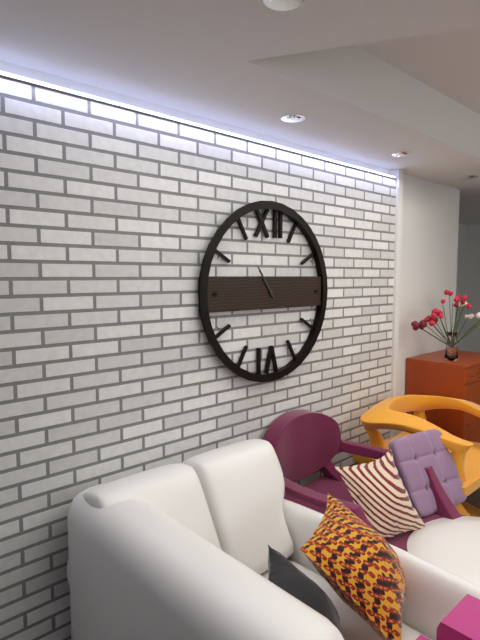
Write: 10:54
